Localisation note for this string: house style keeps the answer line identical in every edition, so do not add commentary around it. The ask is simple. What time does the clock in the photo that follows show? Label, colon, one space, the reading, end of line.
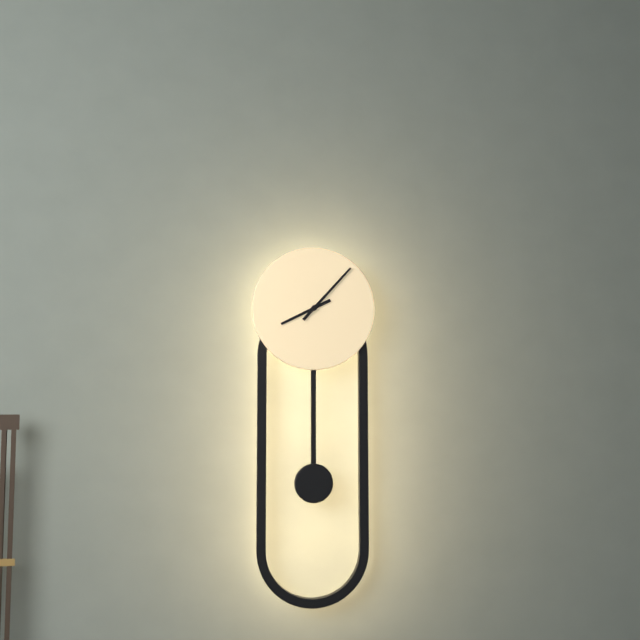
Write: 8:07
